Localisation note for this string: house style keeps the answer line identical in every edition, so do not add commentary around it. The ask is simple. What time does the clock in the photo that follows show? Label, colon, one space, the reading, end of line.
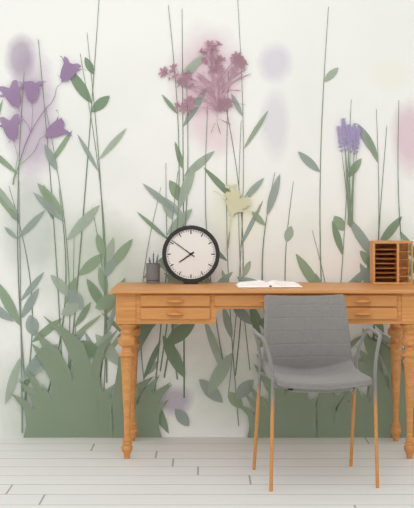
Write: 7:51
